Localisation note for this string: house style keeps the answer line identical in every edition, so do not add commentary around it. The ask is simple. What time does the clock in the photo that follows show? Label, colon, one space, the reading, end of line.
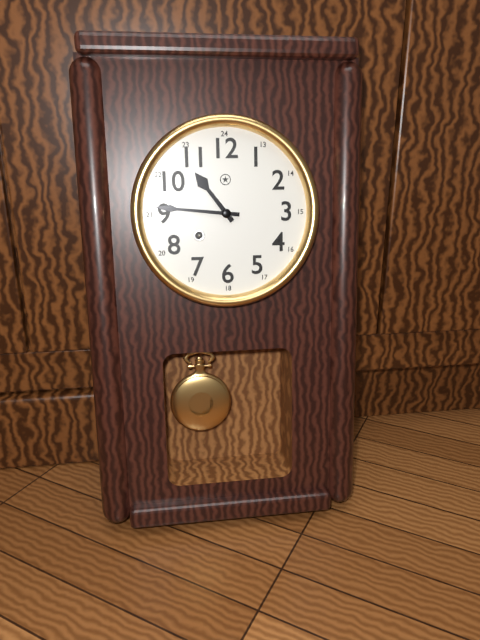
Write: 10:46
